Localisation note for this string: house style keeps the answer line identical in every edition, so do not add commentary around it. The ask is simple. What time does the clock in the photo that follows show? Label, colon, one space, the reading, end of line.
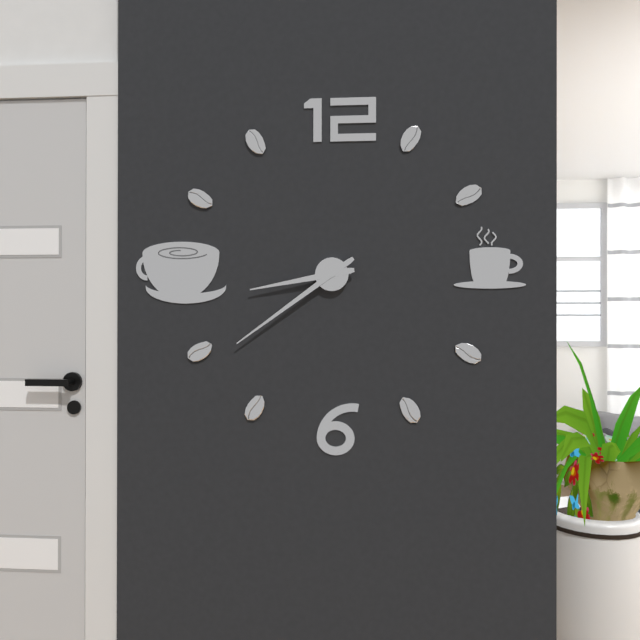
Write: 8:39
